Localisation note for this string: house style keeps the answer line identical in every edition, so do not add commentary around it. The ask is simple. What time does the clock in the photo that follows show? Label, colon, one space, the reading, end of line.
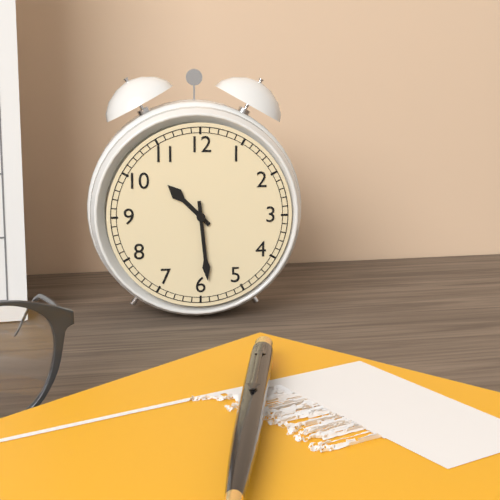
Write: 10:29
